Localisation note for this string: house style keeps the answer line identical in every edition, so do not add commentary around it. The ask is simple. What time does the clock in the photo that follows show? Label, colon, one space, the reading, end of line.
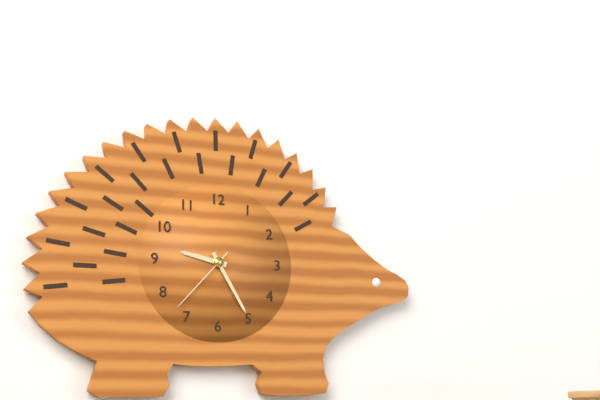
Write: 9:25:37
